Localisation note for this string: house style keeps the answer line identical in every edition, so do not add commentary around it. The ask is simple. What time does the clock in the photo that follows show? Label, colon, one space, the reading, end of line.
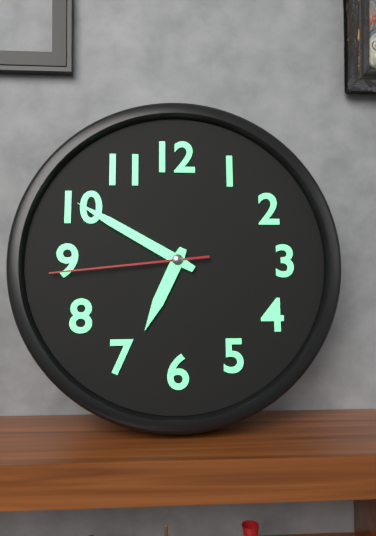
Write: 6:50:44
